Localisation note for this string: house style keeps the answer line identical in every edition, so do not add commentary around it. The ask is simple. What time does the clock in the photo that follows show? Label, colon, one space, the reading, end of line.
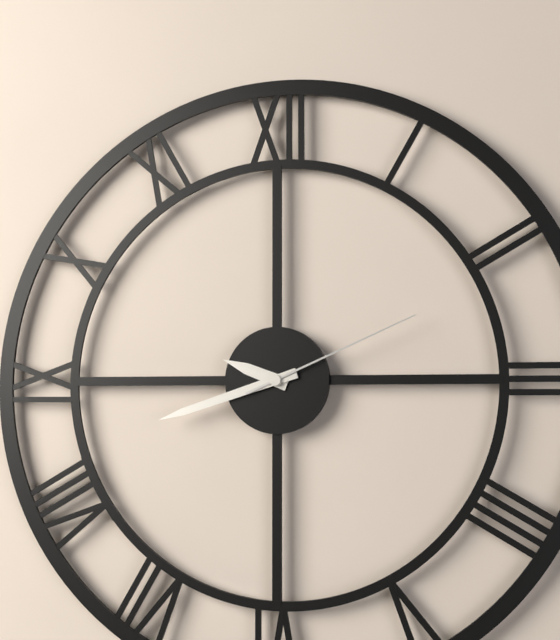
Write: 9:42:11
